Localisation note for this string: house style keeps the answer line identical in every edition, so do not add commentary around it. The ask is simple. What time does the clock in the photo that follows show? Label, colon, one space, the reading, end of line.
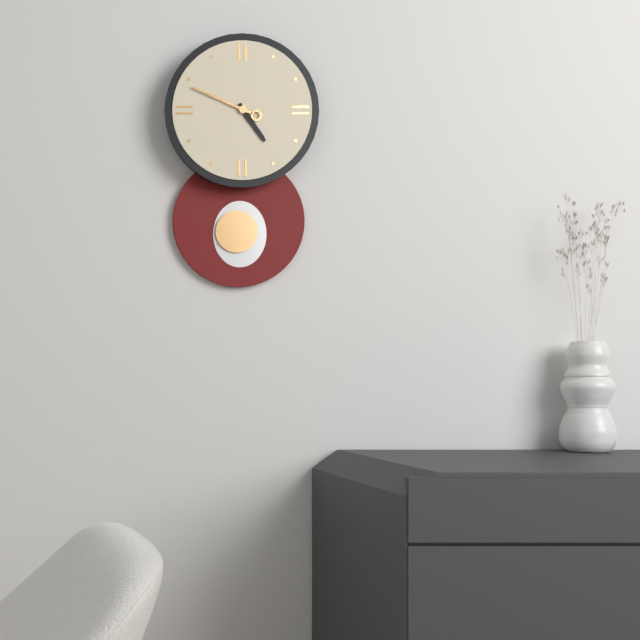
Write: 4:49
